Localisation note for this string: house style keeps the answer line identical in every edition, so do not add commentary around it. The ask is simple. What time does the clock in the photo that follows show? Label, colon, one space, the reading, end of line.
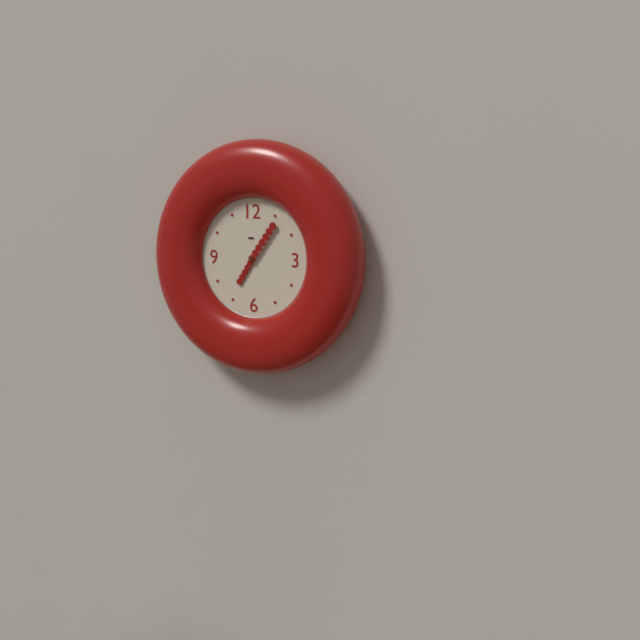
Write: 7:06
